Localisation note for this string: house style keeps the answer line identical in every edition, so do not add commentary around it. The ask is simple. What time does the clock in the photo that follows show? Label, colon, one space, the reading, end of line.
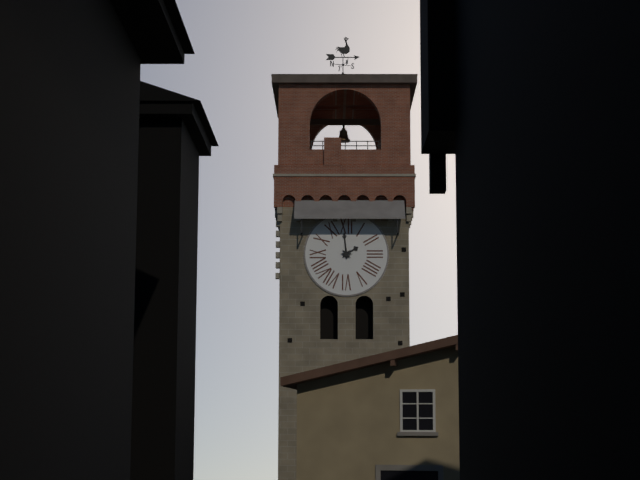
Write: 1:59
